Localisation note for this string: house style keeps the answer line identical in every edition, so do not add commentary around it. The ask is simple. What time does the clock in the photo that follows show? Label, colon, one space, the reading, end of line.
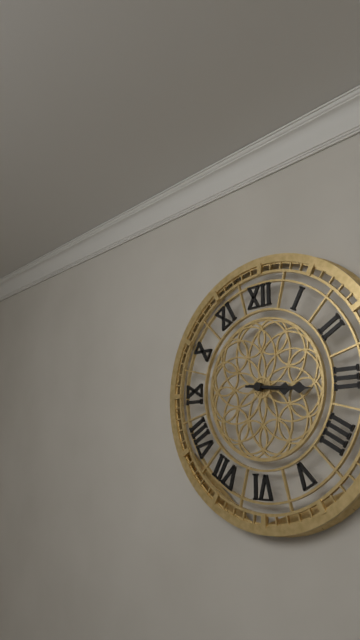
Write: 3:16
